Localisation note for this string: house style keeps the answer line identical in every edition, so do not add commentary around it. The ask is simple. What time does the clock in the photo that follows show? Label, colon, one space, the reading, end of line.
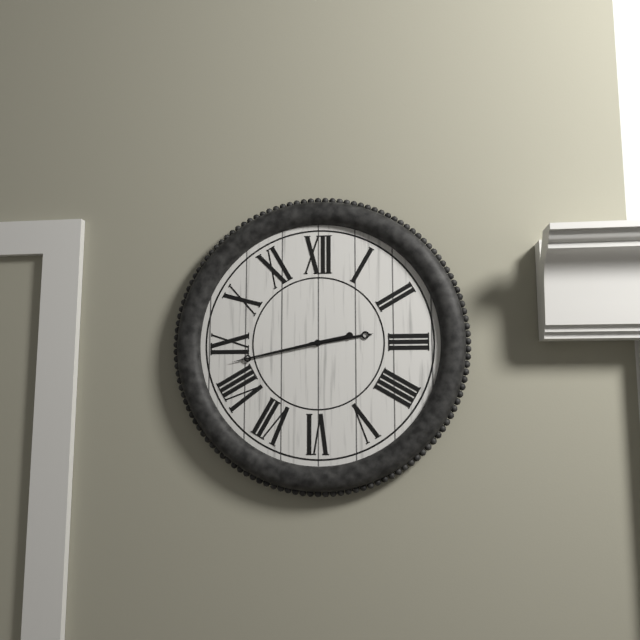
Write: 2:43
